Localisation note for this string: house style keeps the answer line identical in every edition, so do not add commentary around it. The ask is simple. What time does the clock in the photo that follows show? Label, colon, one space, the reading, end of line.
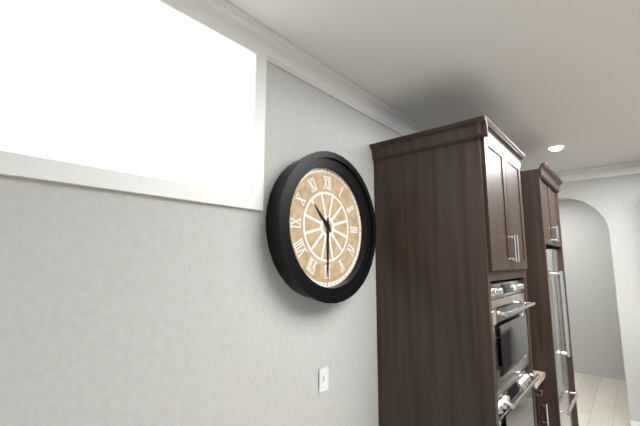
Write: 10:30
